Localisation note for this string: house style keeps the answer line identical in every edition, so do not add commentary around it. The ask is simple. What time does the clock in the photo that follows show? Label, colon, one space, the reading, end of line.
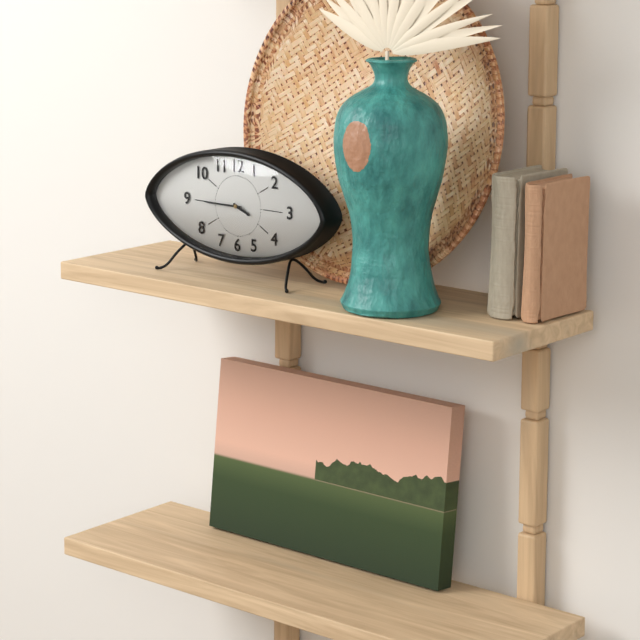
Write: 3:45
